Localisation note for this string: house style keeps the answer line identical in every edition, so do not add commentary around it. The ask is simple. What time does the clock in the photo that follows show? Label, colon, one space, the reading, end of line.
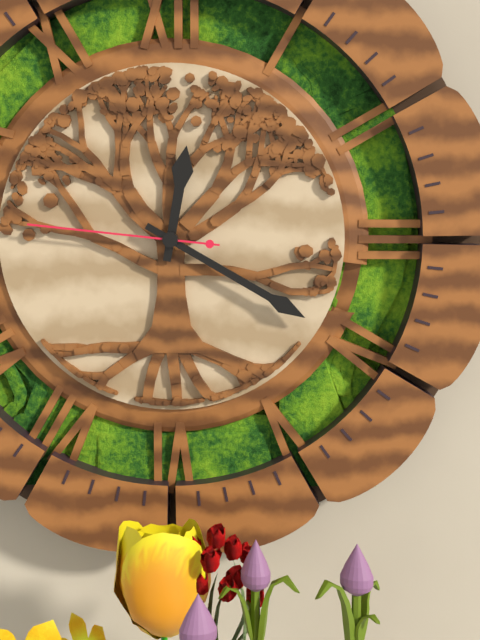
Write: 12:20:46
